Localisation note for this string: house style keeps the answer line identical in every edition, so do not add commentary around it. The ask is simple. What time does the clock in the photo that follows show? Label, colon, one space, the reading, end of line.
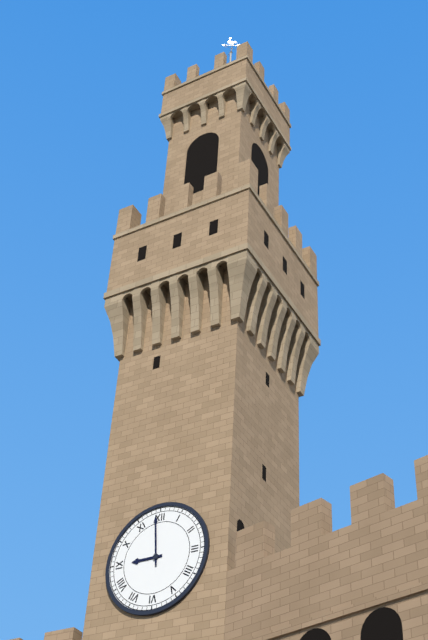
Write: 8:59
